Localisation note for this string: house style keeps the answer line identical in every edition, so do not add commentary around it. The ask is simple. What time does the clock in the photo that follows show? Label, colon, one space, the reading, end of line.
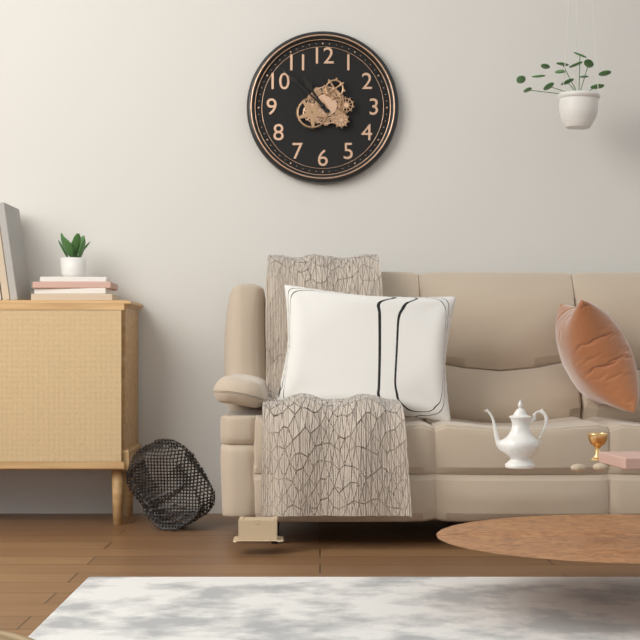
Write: 10:52
